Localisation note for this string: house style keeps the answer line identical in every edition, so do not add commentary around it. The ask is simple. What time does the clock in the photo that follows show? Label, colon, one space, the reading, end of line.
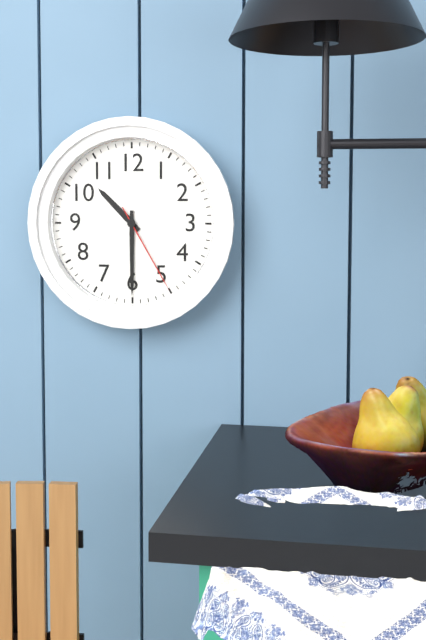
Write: 10:30:25
